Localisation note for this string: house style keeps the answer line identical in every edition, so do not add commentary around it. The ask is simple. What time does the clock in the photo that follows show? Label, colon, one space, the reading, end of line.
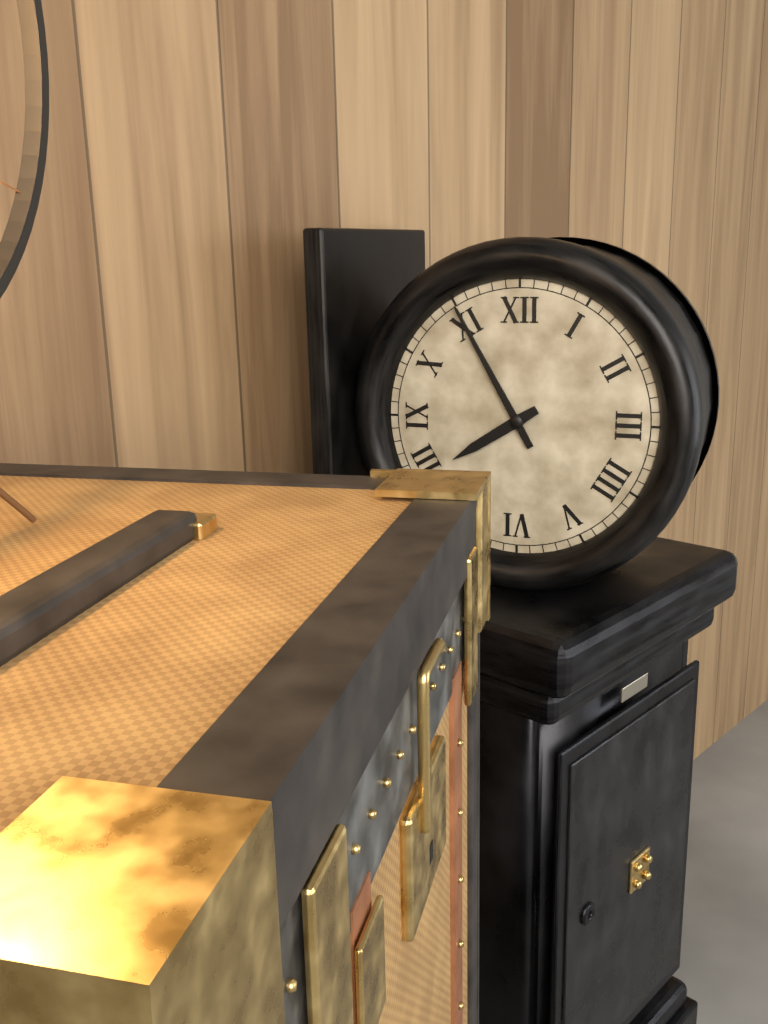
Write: 7:55
